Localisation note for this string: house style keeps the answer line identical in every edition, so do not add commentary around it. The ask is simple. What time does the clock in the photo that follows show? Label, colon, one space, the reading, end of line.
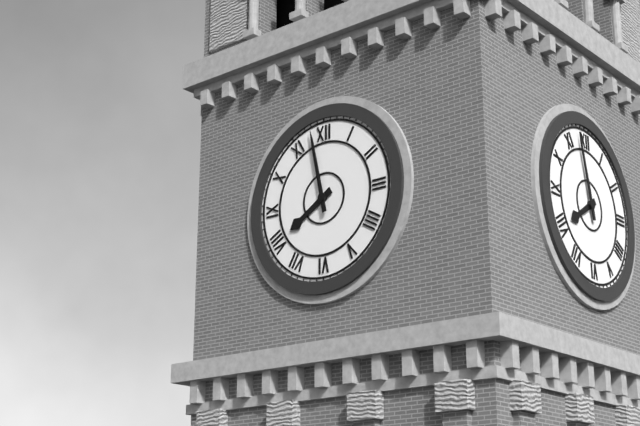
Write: 7:58
